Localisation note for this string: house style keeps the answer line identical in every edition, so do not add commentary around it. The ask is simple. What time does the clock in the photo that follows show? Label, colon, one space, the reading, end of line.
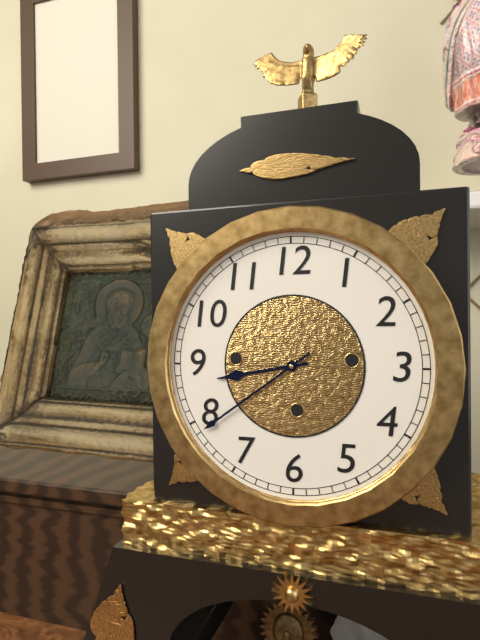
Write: 8:39
